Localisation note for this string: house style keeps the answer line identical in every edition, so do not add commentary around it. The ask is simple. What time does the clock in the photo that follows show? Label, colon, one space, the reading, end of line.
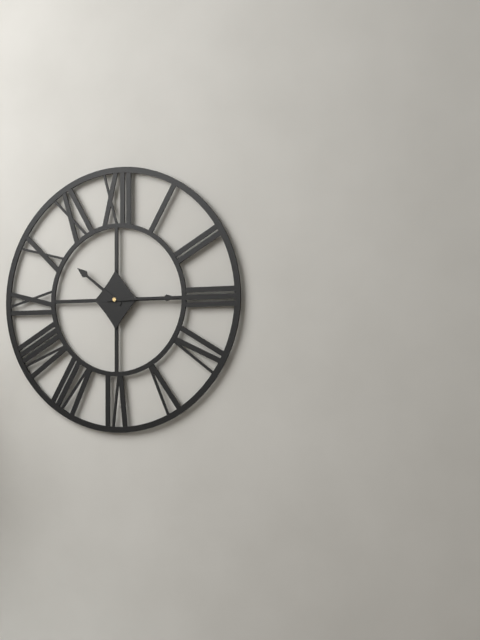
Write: 10:15
